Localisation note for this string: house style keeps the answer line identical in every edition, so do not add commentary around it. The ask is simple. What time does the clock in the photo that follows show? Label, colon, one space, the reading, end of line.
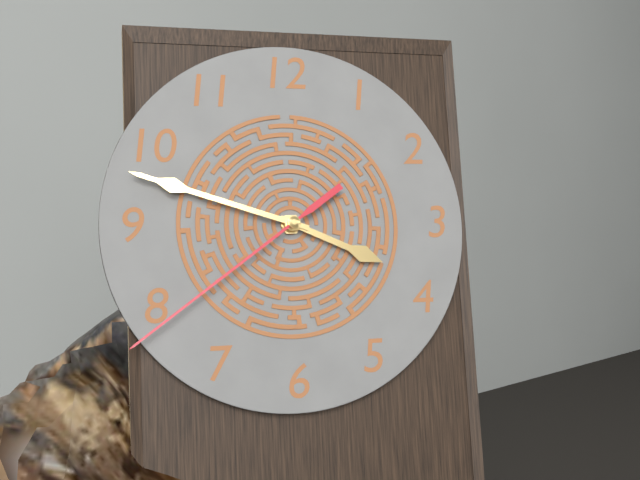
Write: 3:48:39
